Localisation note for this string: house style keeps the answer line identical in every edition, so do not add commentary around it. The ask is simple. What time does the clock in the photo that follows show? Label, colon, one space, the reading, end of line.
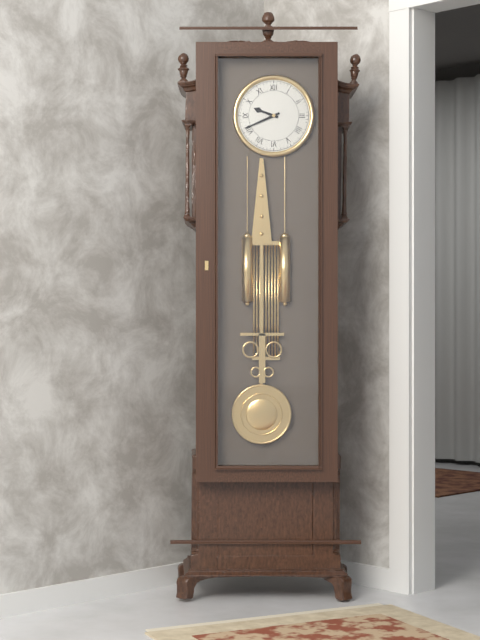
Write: 9:41
